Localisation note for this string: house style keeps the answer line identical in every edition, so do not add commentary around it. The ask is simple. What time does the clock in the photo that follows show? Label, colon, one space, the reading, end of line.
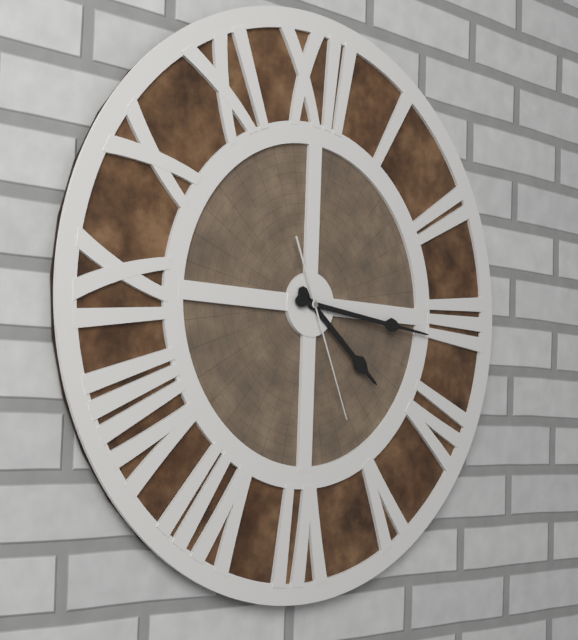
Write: 4:16:26
